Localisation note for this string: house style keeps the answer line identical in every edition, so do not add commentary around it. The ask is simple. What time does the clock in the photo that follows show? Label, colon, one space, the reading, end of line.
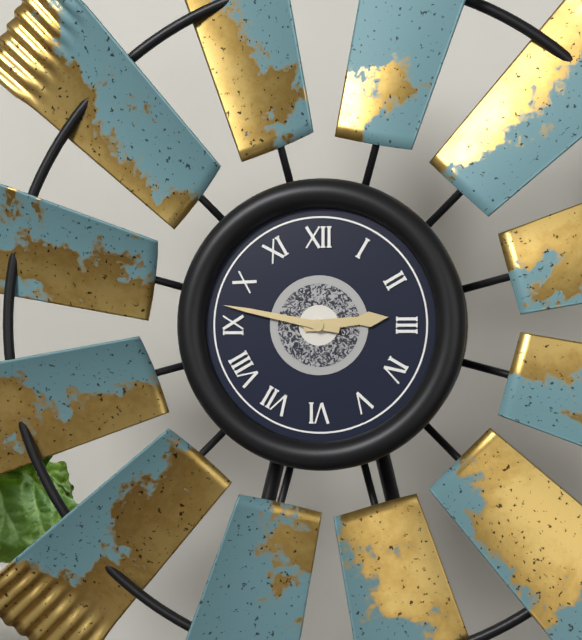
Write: 2:47
